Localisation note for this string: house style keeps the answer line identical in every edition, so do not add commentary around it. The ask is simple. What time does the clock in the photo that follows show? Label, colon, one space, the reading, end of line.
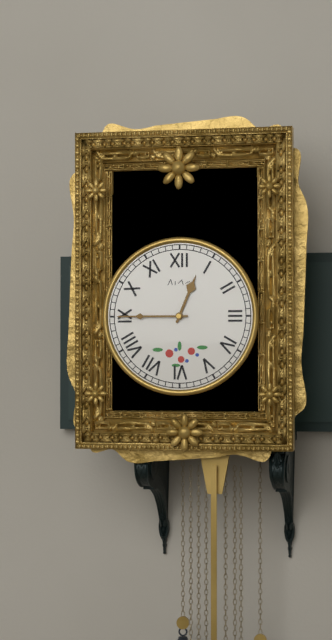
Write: 12:45
